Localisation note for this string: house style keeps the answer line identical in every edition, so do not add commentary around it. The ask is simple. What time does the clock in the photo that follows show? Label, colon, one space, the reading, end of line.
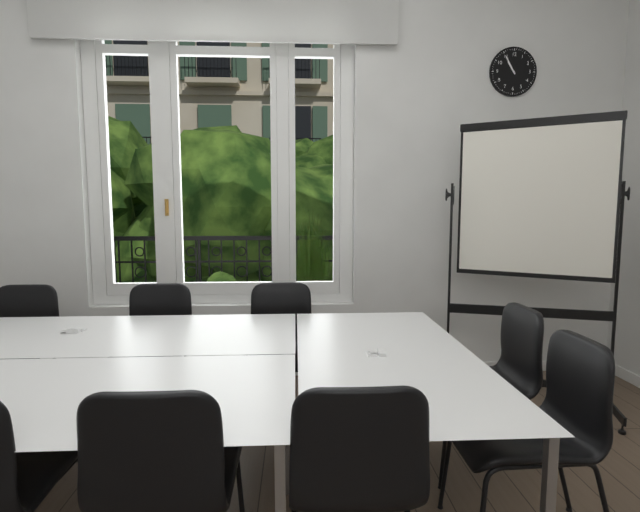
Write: 10:55
